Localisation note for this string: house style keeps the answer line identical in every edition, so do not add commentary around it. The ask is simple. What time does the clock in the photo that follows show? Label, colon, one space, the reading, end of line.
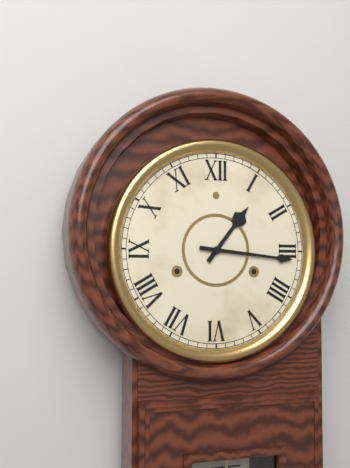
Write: 1:16
